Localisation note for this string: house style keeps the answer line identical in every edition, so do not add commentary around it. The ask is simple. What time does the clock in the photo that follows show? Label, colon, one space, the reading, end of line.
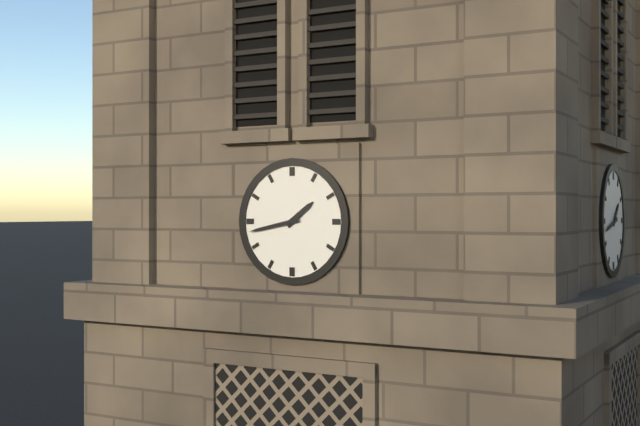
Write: 1:43
